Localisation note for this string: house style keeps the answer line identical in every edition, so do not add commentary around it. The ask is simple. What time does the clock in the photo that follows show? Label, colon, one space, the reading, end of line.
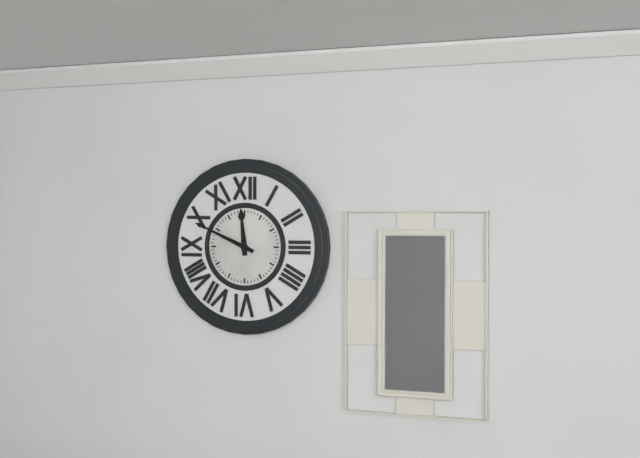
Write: 11:49
